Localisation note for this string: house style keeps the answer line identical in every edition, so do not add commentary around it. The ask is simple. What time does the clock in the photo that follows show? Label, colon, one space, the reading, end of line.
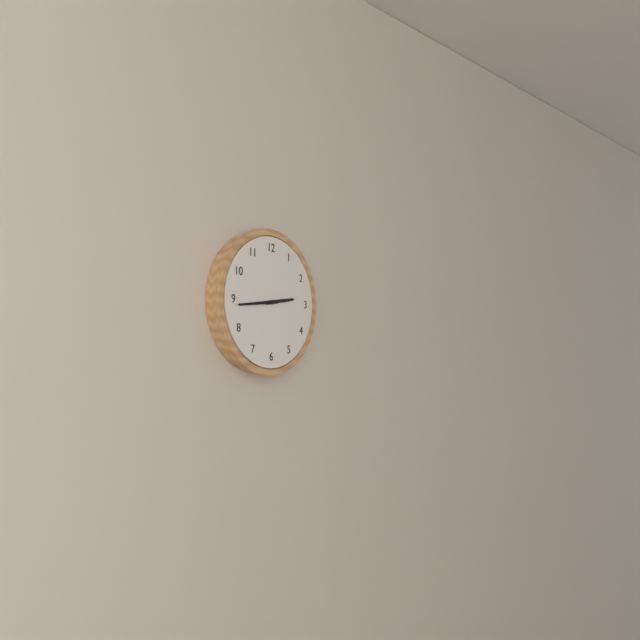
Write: 2:44
